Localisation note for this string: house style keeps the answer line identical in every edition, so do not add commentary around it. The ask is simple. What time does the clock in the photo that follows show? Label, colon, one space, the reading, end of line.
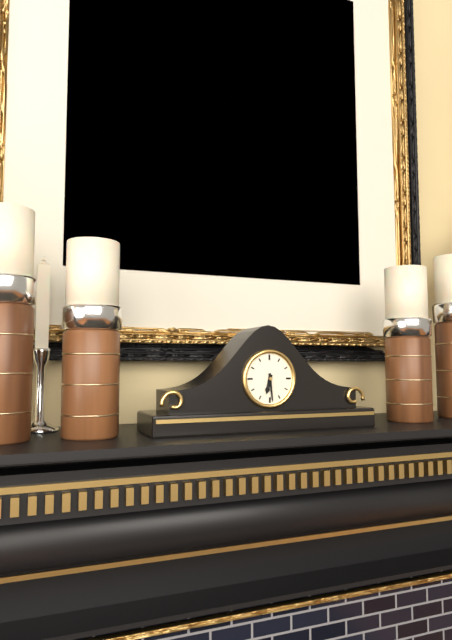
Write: 6:29
